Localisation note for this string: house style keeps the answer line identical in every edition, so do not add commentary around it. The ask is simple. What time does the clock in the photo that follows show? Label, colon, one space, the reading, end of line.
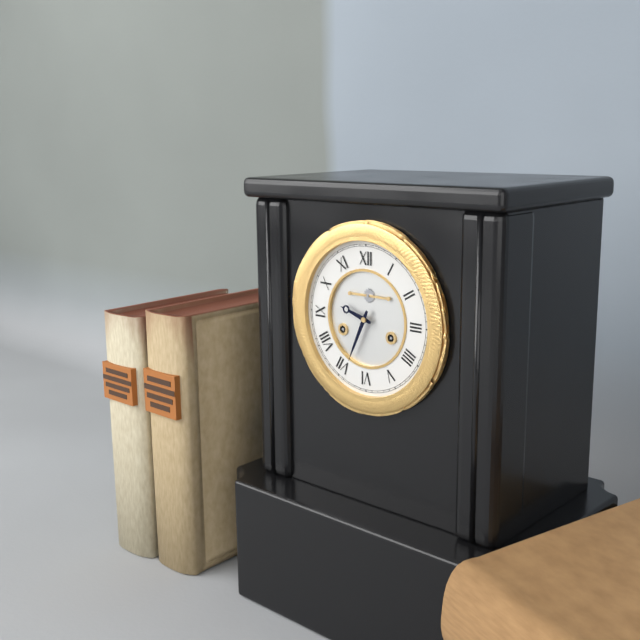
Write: 9:34
